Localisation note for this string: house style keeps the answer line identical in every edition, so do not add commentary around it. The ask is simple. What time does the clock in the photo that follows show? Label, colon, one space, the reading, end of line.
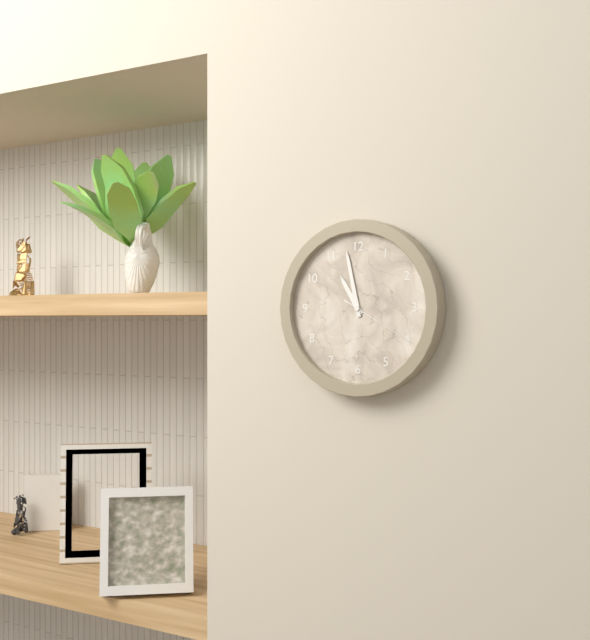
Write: 10:58:20
